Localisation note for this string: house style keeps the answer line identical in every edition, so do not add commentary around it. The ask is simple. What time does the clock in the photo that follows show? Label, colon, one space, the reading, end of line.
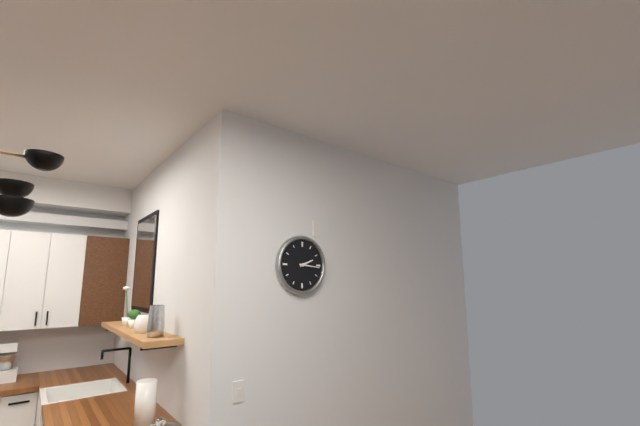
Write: 2:16
